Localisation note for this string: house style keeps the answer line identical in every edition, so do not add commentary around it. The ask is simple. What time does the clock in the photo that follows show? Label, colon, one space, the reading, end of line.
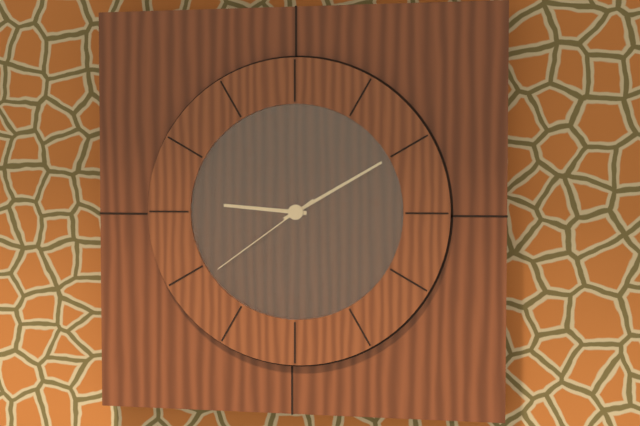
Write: 9:10:39
